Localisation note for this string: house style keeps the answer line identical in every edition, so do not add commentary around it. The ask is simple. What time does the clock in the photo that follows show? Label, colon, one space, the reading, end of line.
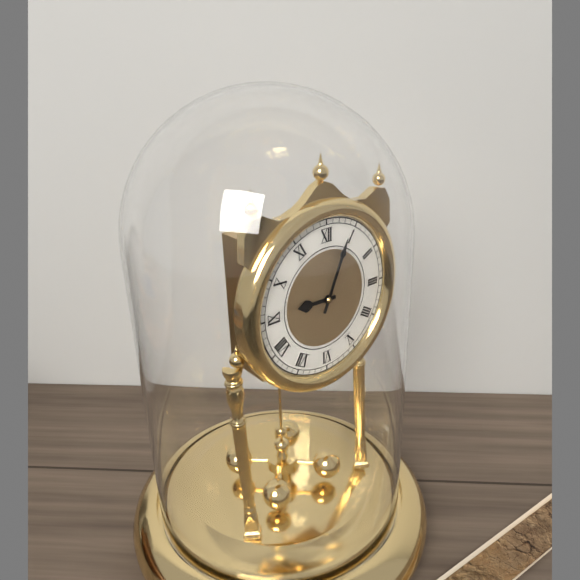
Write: 9:04
